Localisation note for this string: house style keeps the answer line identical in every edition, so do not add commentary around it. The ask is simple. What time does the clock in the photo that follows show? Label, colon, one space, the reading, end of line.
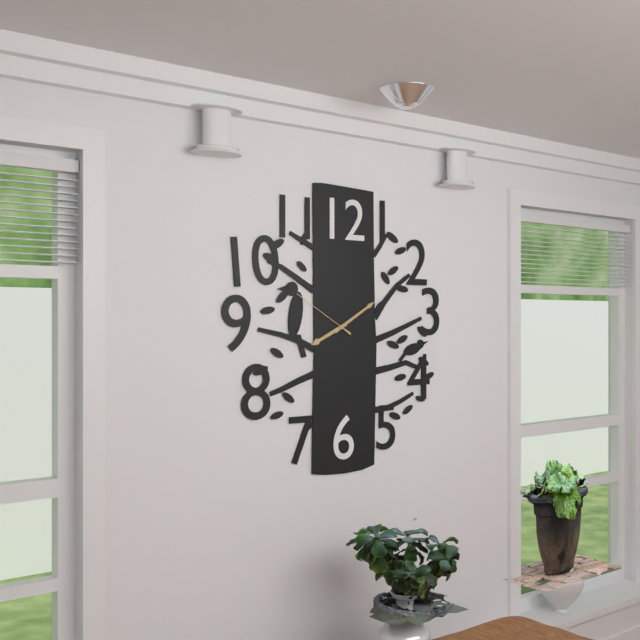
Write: 8:10:50
